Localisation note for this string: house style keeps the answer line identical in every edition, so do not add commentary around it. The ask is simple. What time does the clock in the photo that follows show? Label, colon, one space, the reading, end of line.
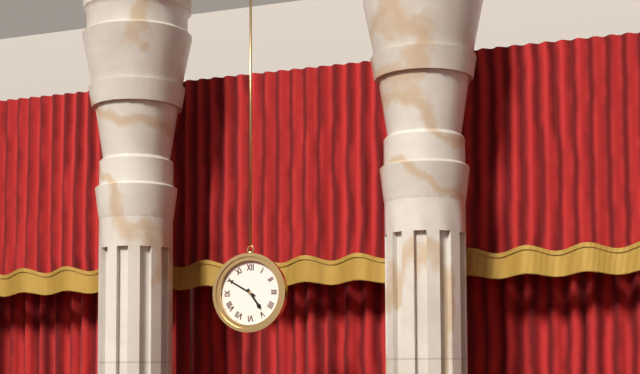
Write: 4:50
